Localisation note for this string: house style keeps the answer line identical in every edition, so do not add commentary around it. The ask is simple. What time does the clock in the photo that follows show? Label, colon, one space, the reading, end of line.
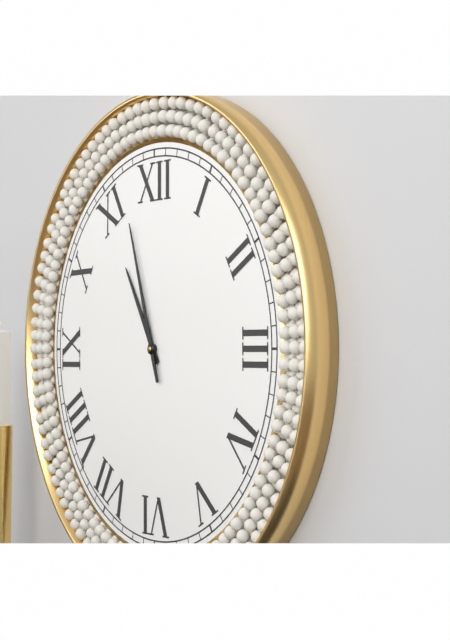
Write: 10:57
